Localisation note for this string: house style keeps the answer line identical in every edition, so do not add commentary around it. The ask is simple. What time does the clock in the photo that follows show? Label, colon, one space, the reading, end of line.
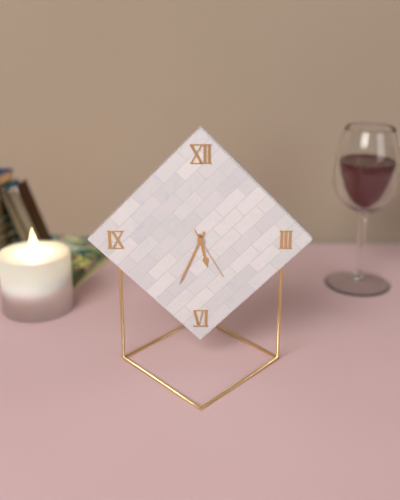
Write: 5:34:25
